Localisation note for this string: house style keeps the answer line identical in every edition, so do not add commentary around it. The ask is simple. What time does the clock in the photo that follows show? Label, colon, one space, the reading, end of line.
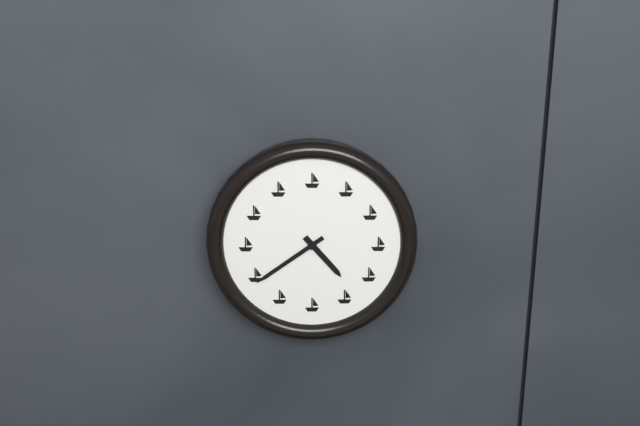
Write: 4:39
